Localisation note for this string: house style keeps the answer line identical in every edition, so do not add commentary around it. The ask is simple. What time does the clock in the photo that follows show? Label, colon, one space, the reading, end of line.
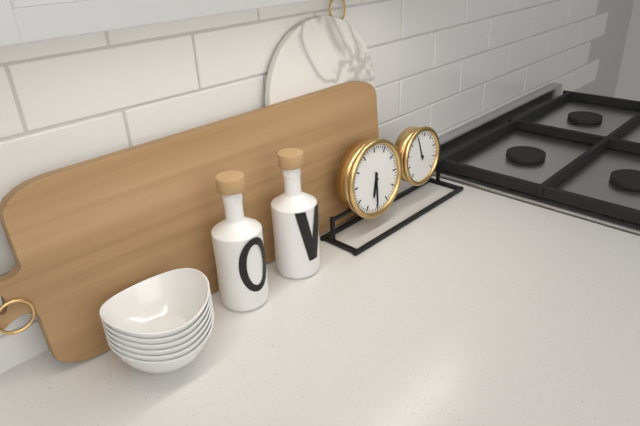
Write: 6:30
